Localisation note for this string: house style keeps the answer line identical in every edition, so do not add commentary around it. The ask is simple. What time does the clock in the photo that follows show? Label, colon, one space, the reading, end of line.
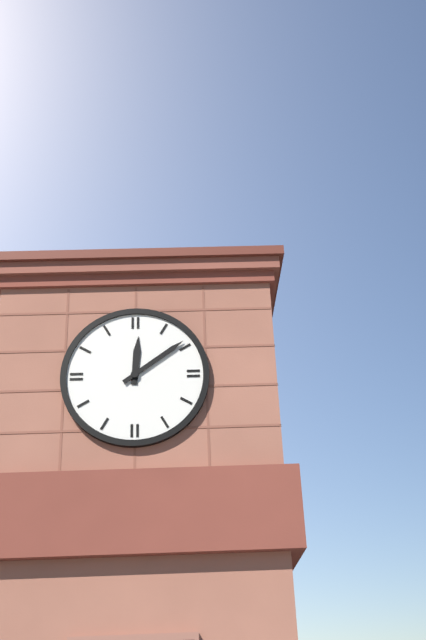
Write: 12:09
